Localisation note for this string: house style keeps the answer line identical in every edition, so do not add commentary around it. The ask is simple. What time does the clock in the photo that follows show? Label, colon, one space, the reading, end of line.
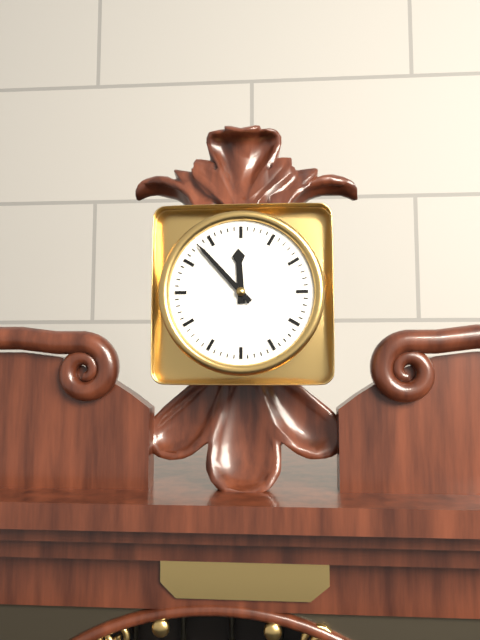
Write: 11:53
